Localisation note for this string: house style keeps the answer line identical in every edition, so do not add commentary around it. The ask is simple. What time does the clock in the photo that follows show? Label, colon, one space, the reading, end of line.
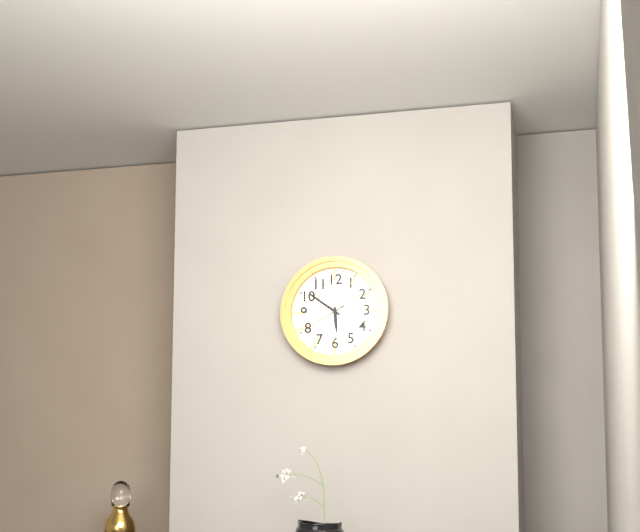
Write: 5:51
